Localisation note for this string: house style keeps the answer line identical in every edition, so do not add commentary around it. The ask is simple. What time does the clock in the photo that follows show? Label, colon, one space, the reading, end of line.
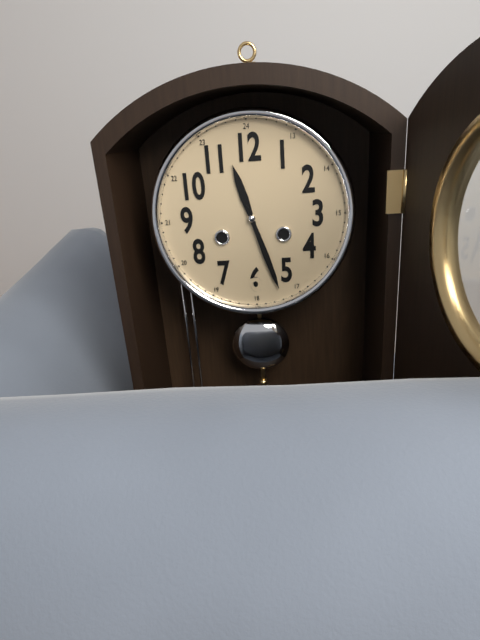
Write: 11:27
